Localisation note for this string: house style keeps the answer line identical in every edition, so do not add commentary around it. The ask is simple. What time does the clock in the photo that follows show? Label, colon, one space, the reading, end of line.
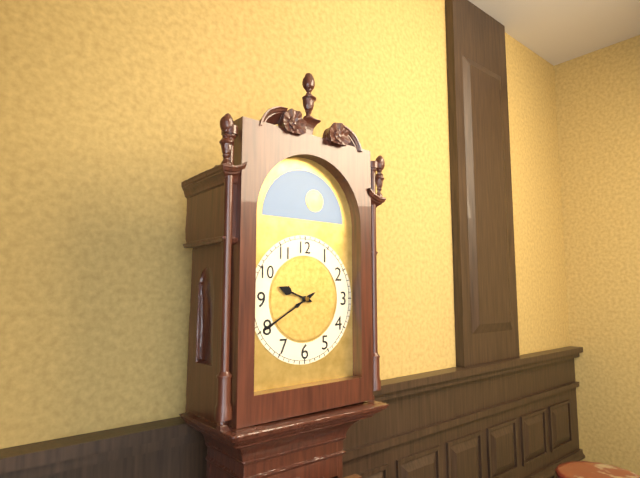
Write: 9:40
